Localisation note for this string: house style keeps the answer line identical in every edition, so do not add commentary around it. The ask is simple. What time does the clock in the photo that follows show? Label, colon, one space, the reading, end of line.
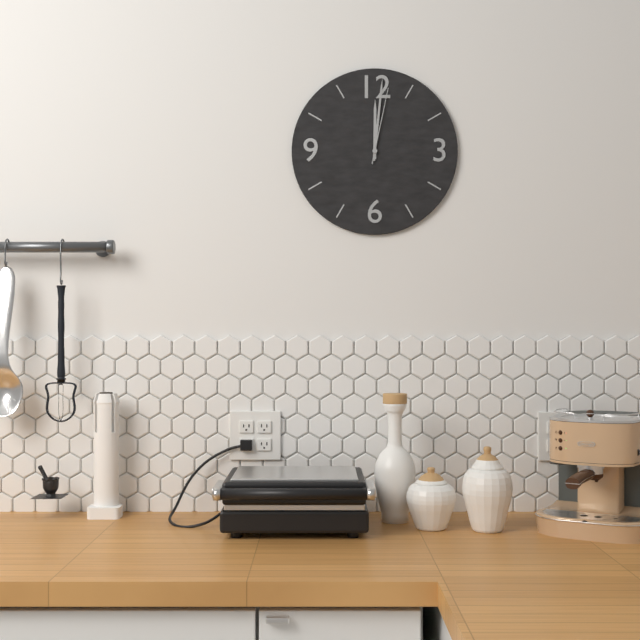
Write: 12:01:02
